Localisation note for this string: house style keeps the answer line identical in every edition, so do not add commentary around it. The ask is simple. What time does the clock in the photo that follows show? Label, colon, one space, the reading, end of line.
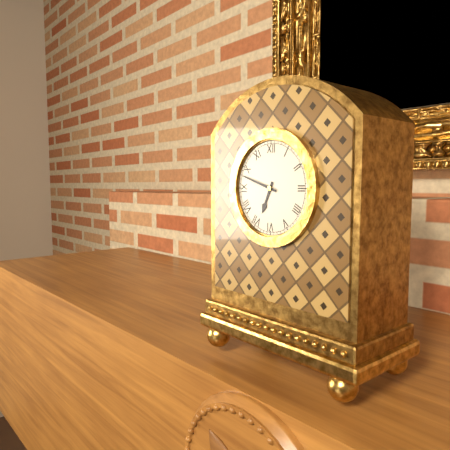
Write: 6:48
